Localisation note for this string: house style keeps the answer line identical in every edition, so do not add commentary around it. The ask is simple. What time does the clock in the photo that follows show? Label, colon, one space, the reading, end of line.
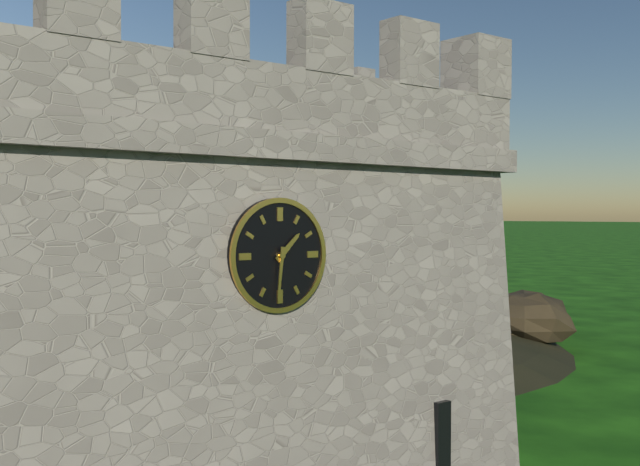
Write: 1:31
